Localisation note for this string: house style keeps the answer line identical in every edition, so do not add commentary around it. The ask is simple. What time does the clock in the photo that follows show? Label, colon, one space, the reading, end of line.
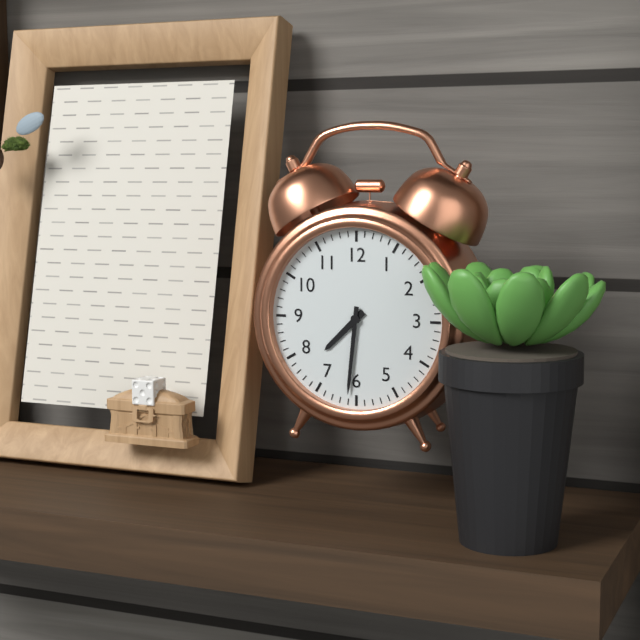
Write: 7:31
